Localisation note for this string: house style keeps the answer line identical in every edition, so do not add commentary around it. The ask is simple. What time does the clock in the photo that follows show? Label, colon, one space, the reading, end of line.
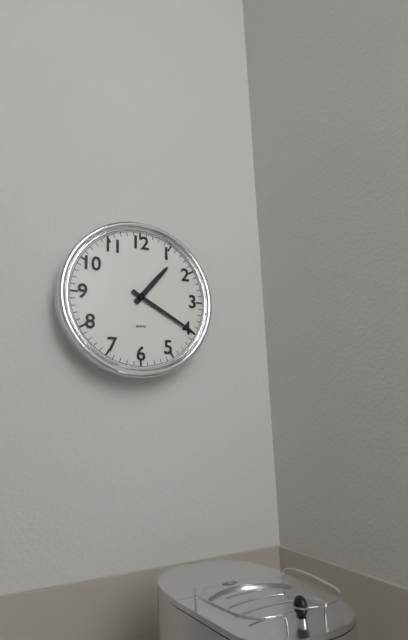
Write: 1:20
